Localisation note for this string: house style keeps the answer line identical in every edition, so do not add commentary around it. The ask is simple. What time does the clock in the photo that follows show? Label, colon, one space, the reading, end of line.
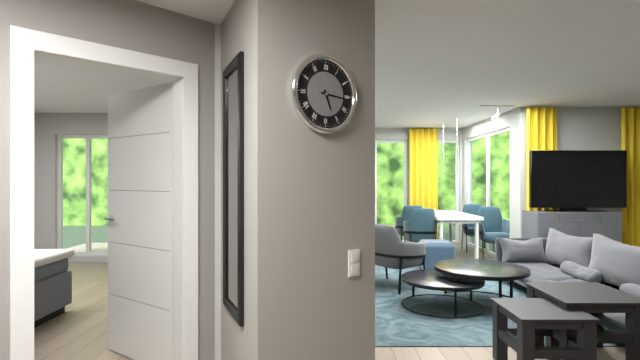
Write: 5:16
